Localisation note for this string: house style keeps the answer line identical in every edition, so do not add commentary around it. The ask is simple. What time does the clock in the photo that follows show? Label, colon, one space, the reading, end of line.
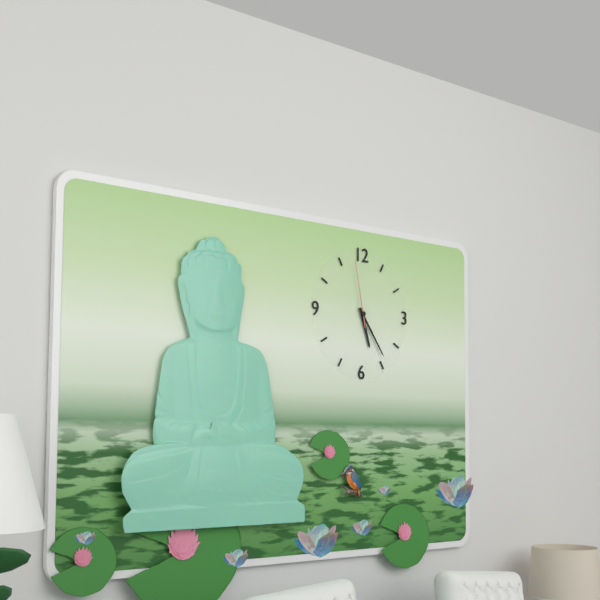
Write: 5:24:58
